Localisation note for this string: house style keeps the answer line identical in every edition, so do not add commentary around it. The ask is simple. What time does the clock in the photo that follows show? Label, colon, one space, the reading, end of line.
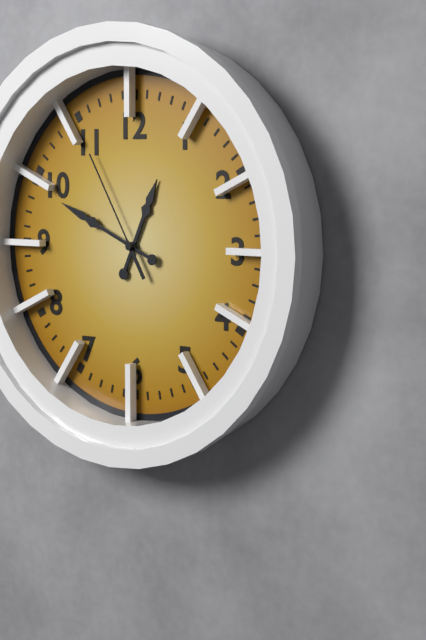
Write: 12:49:55
